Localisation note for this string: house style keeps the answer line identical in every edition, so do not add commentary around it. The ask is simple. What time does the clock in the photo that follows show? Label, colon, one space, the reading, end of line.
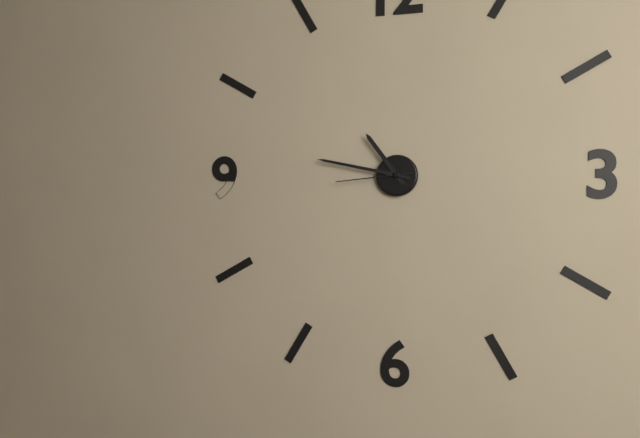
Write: 10:47:44
